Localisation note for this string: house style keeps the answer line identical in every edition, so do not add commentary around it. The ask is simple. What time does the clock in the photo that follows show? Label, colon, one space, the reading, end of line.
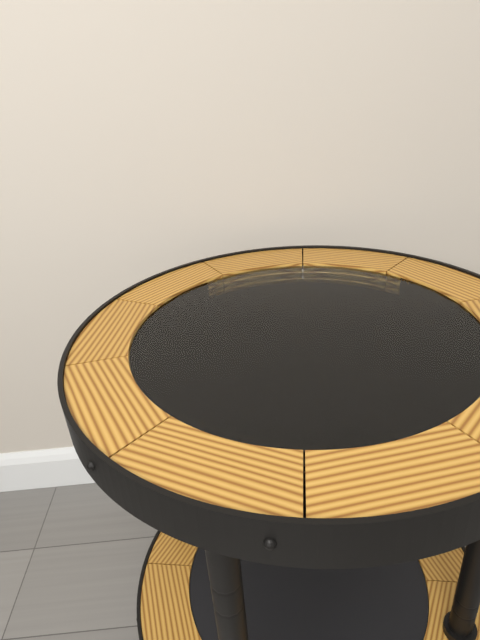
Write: 7:44
